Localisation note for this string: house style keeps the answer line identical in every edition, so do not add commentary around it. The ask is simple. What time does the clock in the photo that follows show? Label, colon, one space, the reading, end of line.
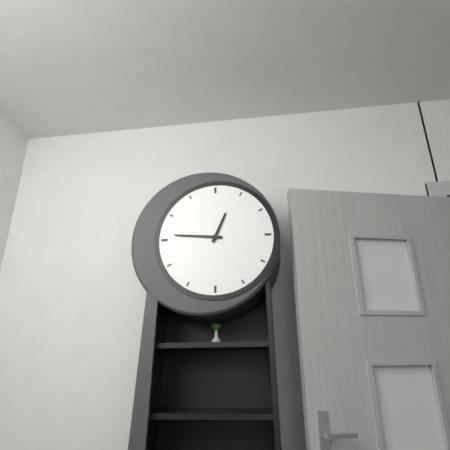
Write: 12:46
